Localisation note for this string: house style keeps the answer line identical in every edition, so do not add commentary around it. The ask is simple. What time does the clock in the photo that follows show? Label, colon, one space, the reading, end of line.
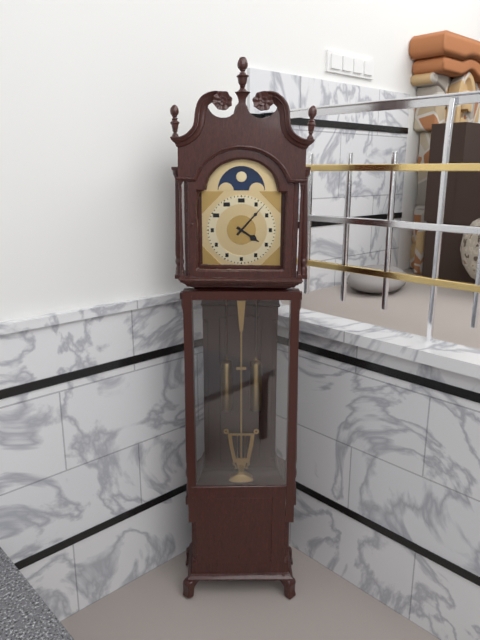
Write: 4:07
